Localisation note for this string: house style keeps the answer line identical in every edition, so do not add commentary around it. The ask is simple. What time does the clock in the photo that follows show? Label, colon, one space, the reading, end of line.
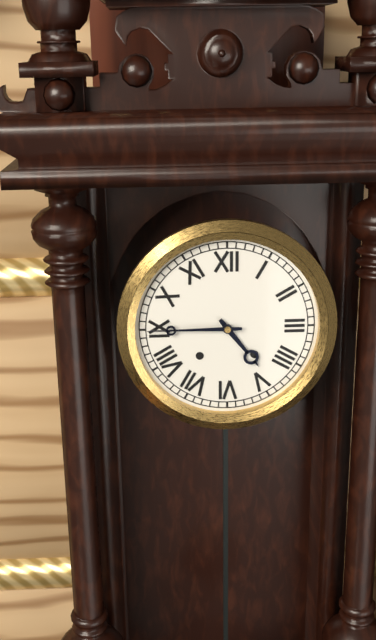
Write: 4:45
